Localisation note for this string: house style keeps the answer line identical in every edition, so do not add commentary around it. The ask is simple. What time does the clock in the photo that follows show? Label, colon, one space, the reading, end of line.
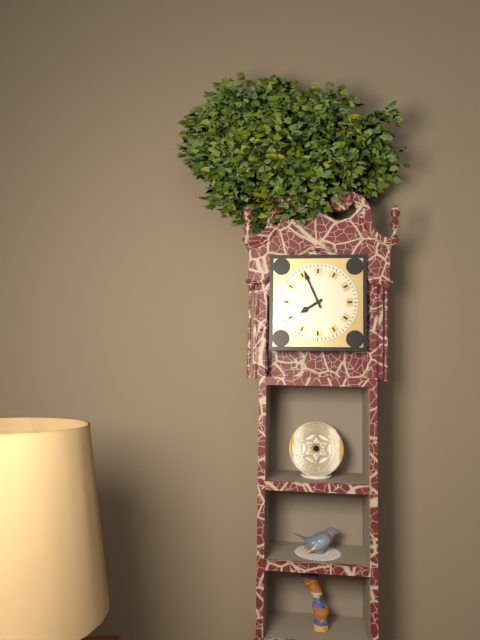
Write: 7:56
